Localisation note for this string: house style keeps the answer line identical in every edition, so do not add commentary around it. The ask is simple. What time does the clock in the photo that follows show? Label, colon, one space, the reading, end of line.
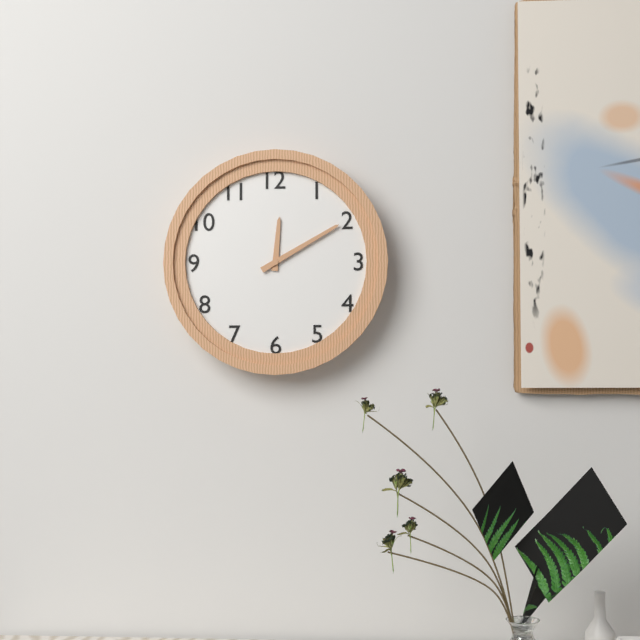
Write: 12:10
